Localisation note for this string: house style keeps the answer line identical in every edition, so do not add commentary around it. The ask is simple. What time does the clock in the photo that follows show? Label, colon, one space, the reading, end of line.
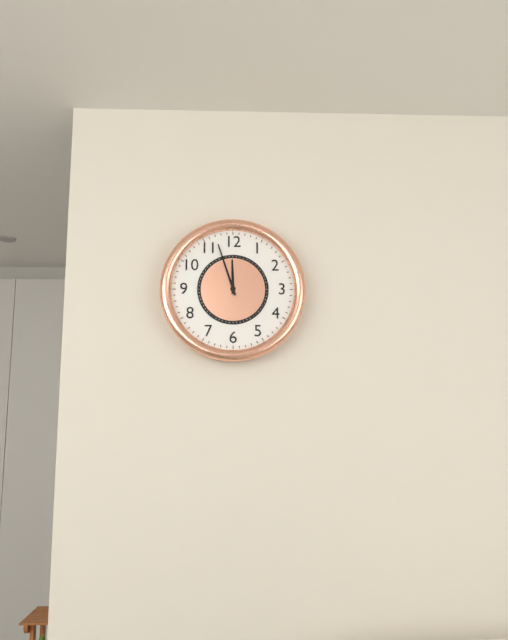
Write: 11:57
